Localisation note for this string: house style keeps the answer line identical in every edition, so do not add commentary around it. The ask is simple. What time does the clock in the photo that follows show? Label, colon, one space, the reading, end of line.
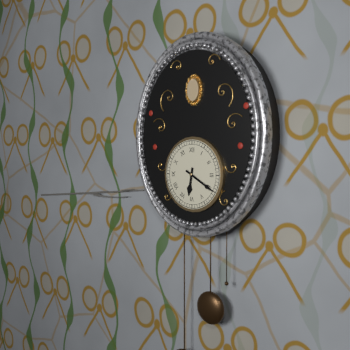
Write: 6:20
